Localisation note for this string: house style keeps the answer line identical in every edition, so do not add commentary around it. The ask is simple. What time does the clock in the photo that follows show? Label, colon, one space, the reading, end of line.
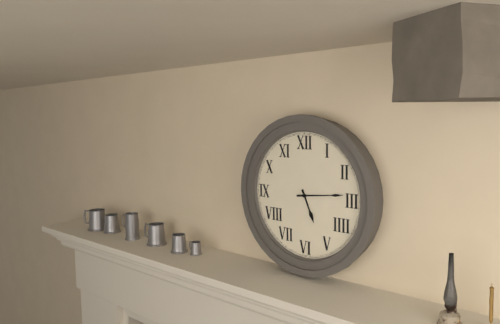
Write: 5:14
